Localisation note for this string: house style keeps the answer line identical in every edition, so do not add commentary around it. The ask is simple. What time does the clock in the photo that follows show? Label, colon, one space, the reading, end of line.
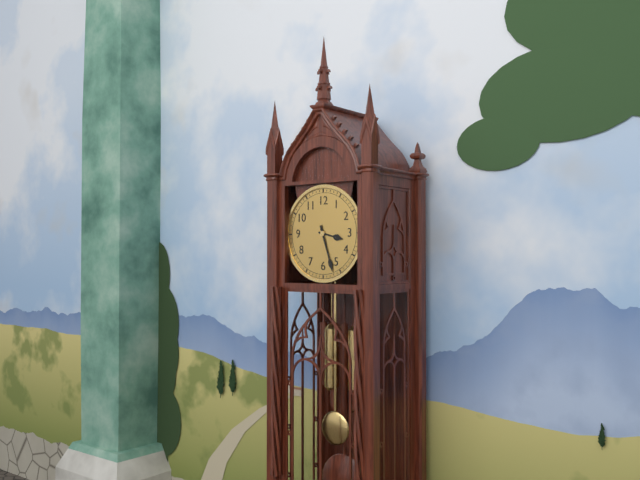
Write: 3:27
